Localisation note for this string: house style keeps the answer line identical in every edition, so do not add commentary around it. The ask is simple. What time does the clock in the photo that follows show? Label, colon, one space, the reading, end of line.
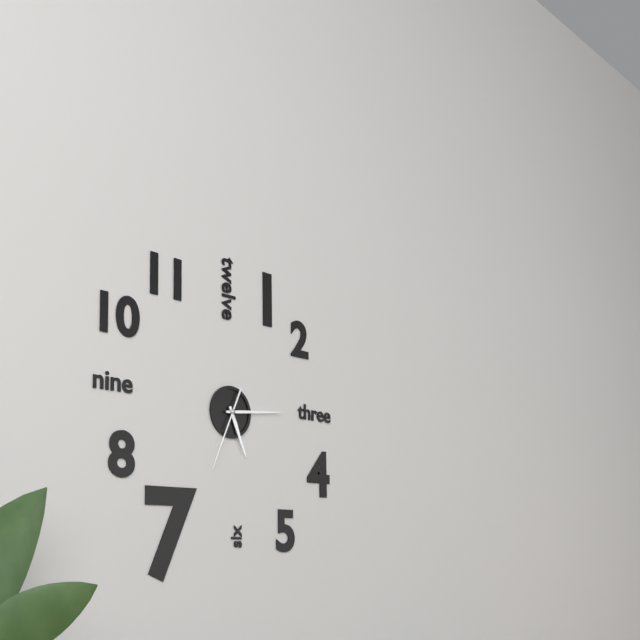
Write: 5:14:34
